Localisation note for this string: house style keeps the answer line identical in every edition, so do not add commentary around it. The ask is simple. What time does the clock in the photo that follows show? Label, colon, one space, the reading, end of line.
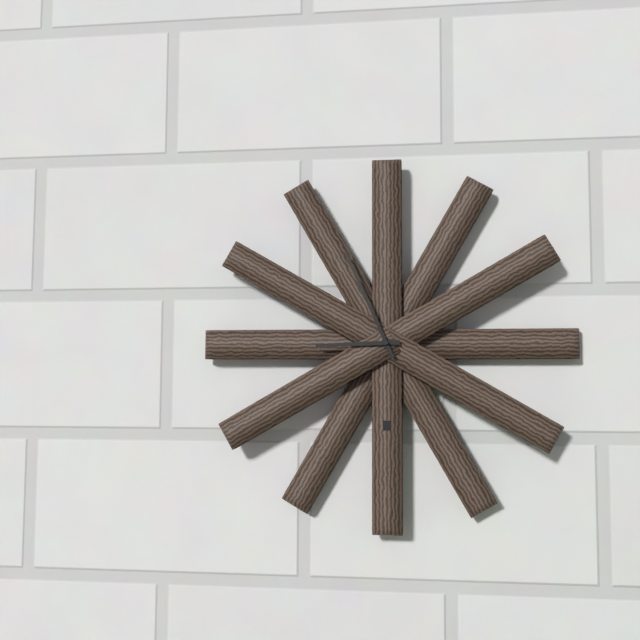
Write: 8:56
